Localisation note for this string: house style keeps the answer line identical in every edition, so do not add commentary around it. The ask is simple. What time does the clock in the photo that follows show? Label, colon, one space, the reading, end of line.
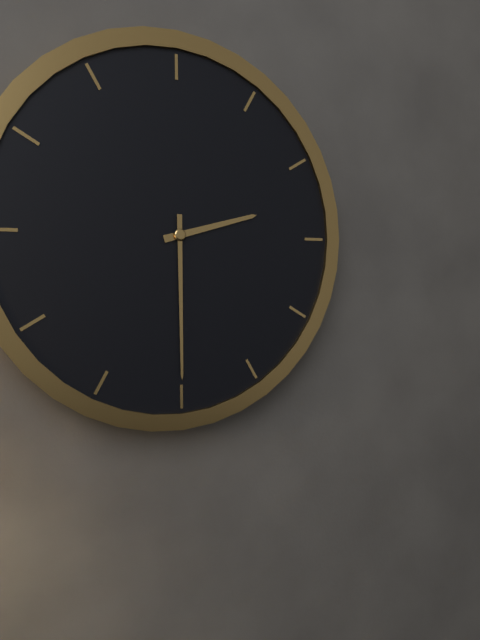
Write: 2:30
